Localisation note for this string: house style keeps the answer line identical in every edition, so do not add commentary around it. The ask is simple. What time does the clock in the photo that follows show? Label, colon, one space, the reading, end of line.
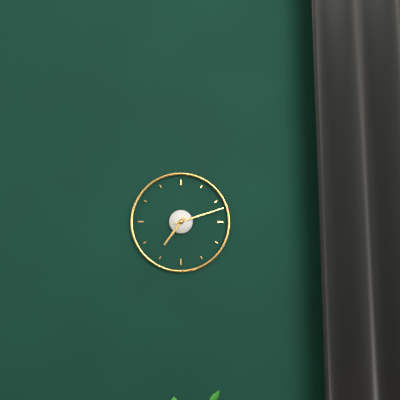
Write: 7:12
